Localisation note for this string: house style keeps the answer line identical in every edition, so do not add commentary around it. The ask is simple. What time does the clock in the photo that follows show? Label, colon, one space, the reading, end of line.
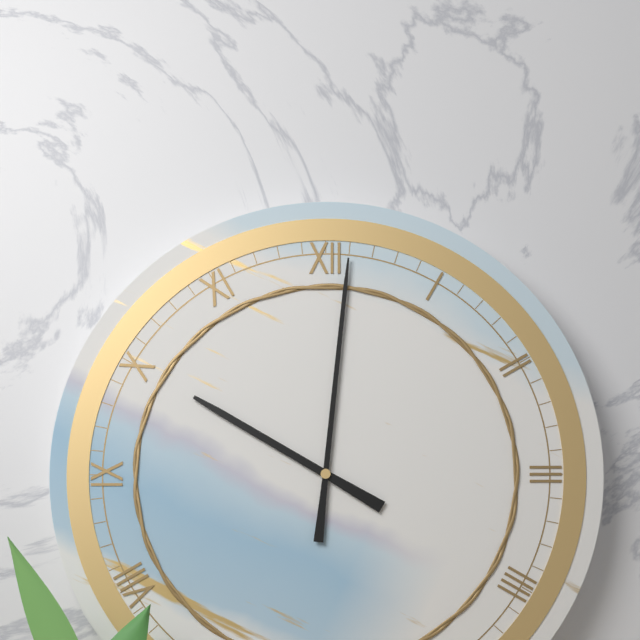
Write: 10:01
